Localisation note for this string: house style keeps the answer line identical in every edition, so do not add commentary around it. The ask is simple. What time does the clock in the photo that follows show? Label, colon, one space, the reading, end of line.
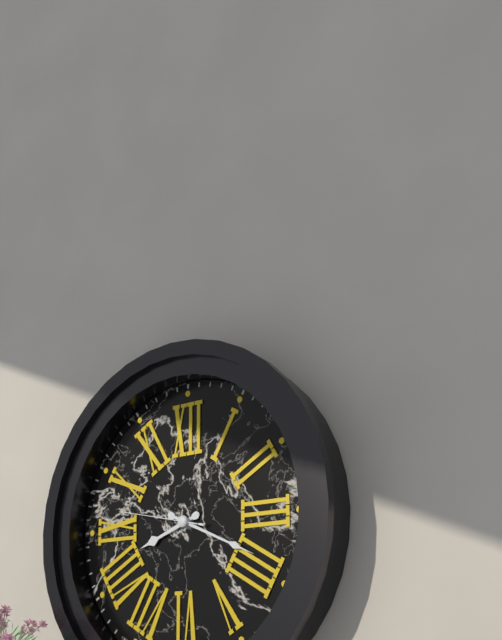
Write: 8:19:47
